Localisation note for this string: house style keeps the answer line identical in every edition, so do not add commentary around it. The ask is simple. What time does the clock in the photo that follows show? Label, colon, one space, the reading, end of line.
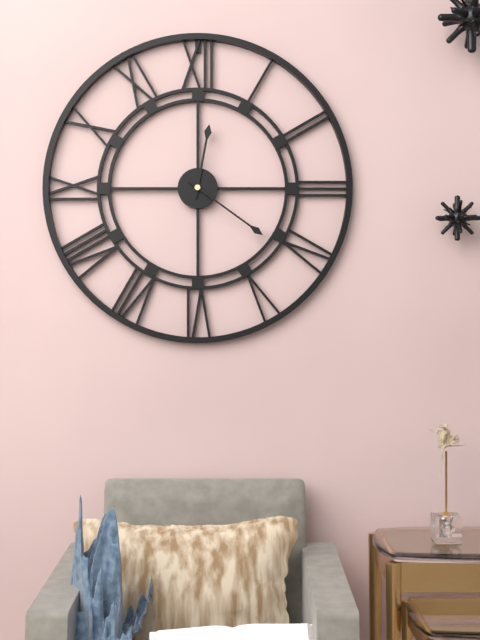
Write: 12:21
